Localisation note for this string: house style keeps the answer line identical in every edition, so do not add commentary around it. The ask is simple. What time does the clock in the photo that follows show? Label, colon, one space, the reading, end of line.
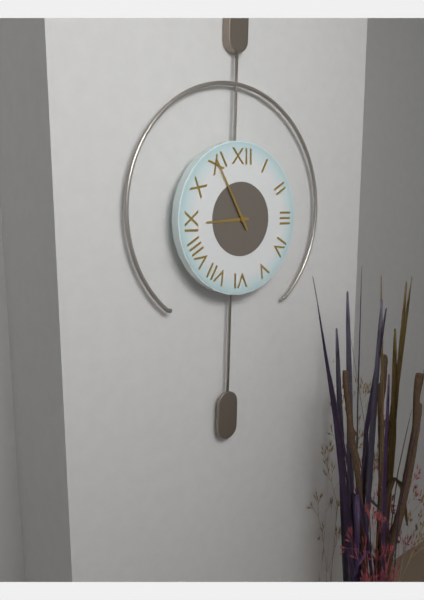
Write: 8:55
